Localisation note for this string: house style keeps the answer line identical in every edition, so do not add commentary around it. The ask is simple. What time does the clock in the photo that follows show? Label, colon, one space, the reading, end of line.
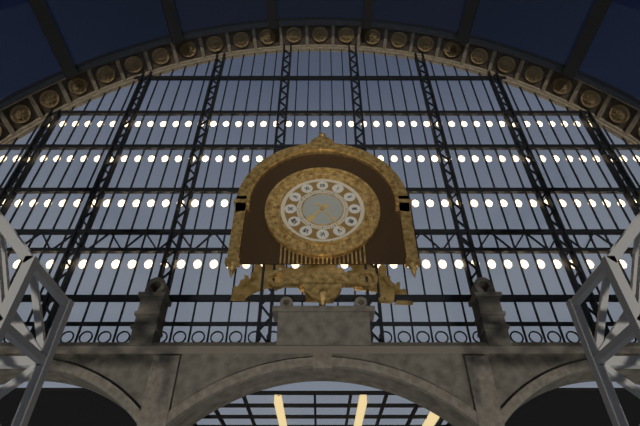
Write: 7:24
